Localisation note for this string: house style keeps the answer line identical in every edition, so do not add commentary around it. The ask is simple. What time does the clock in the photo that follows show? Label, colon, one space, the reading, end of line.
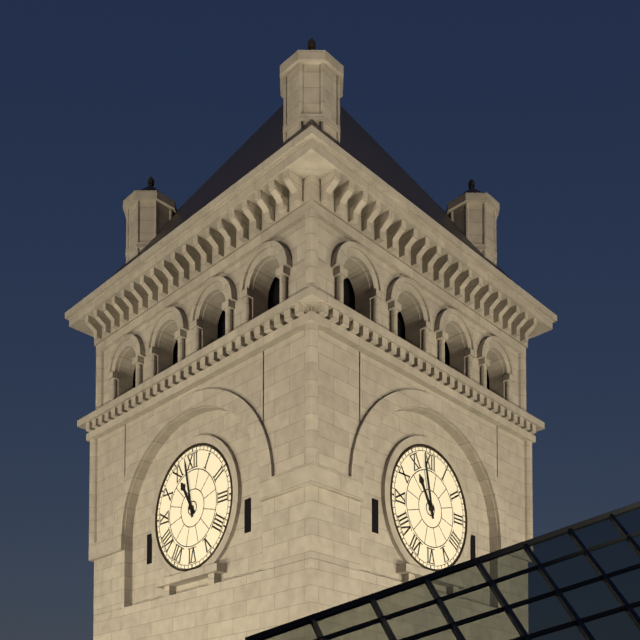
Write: 10:58
